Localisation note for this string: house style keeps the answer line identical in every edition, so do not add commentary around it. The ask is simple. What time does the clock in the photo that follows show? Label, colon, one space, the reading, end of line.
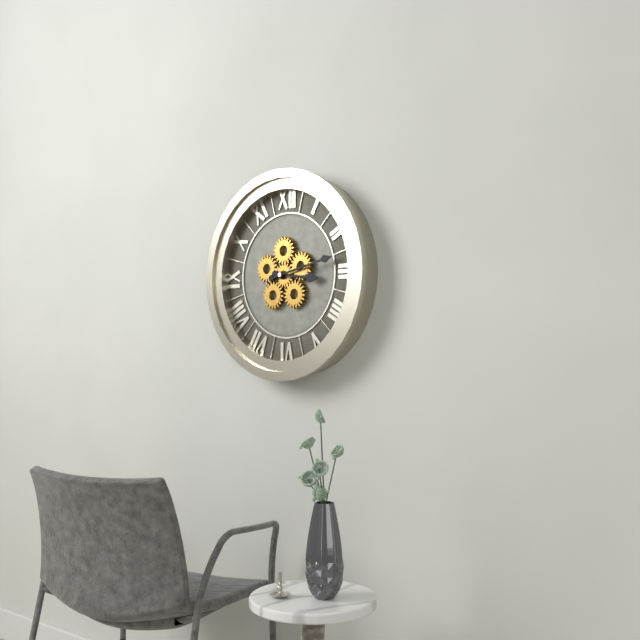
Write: 3:13
